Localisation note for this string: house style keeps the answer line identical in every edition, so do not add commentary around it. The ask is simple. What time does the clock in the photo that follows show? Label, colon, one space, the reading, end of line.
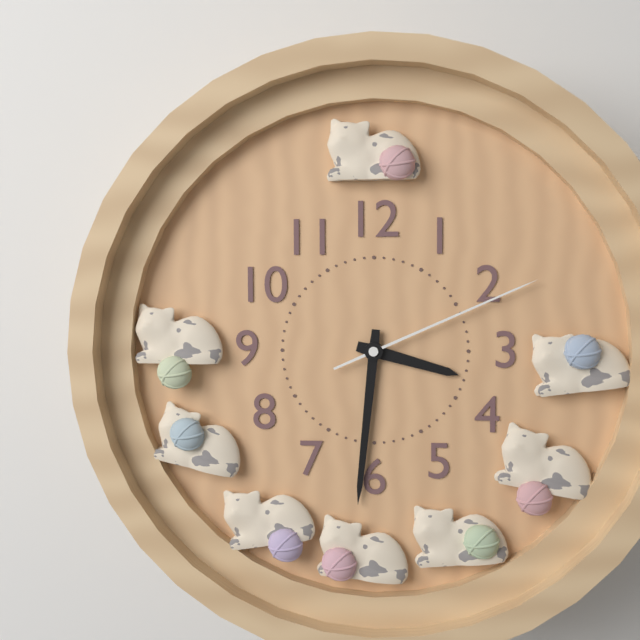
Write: 3:31:11
